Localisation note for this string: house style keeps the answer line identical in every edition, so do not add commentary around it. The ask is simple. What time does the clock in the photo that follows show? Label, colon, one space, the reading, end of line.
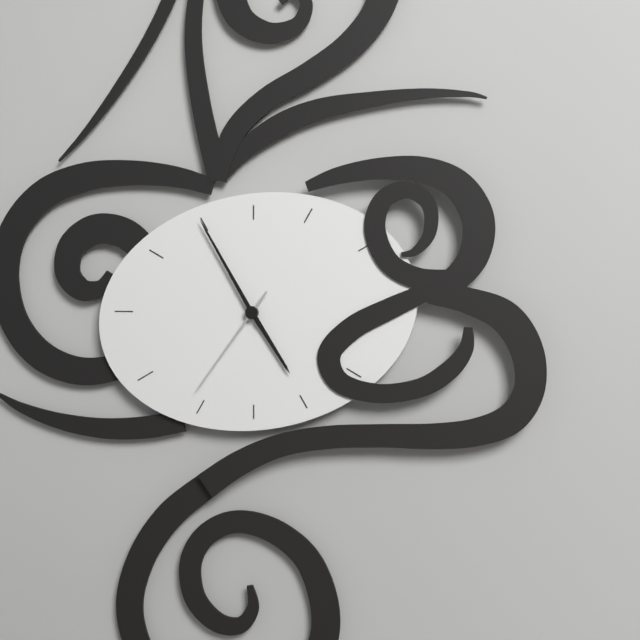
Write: 4:55:36
